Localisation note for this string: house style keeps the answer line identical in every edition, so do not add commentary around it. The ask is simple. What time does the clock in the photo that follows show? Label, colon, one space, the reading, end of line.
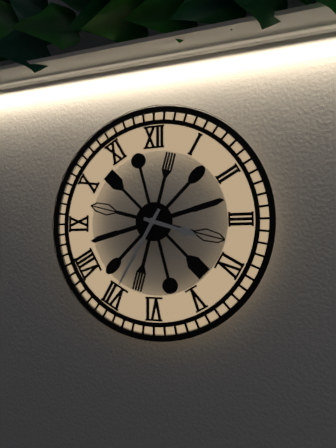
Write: 3:35
